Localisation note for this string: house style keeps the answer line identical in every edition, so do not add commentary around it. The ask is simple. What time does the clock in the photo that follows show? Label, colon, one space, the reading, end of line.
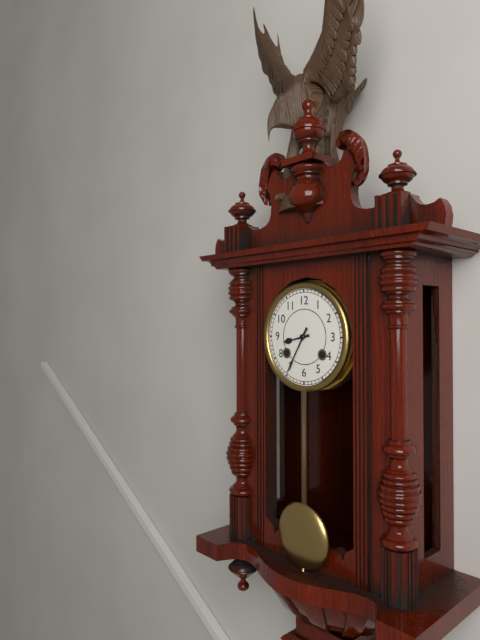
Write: 8:35
